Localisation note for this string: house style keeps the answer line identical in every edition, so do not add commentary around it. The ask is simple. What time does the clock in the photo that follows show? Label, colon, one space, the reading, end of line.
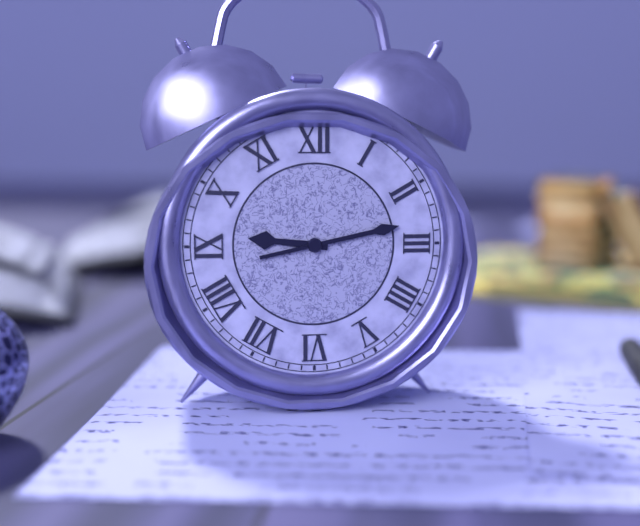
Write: 9:13
